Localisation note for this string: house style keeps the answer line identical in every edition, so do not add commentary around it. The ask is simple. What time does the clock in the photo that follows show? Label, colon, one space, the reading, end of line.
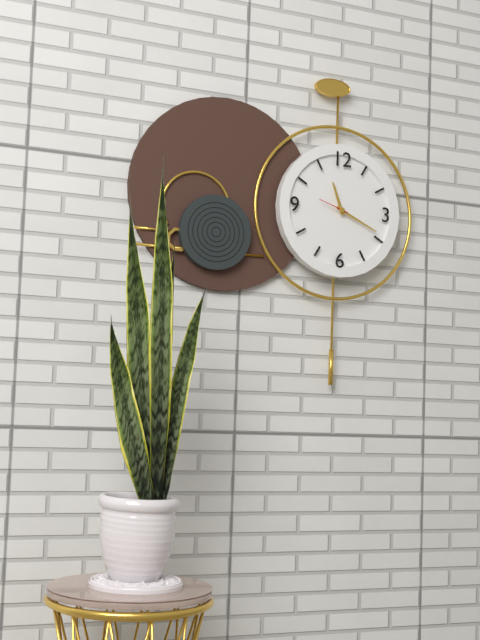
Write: 11:19
